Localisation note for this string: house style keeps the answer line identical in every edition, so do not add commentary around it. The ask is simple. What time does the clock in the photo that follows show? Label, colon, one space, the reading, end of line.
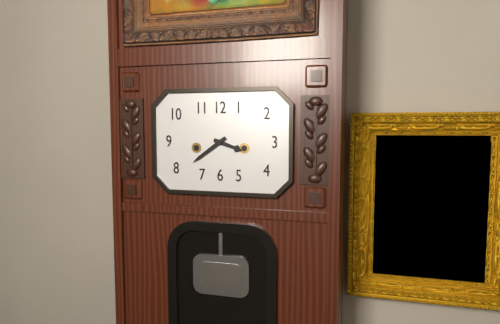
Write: 3:39
